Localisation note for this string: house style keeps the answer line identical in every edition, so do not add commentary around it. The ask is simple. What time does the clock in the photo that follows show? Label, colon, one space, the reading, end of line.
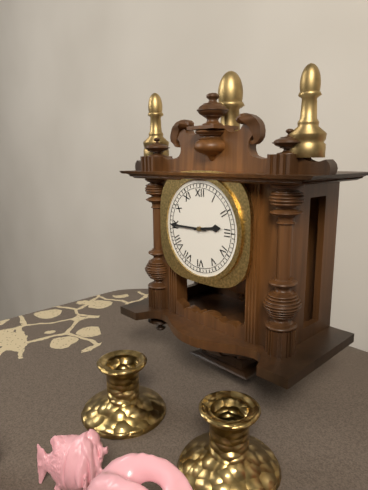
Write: 2:45
